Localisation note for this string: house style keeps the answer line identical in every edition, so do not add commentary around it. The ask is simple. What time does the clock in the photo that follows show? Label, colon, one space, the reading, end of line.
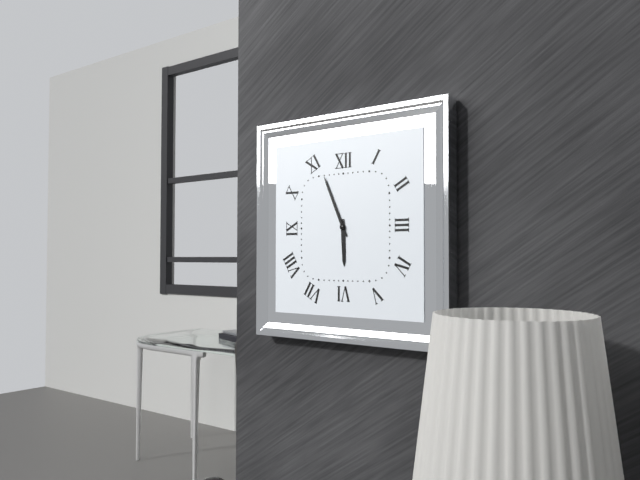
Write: 5:56
